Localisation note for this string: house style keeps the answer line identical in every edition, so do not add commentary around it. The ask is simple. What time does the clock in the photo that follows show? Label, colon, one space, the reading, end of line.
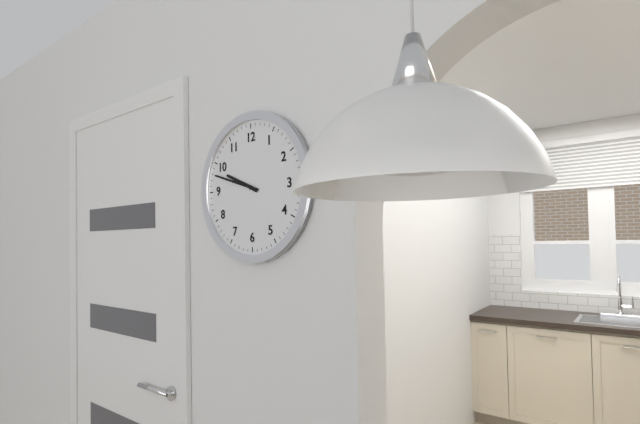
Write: 9:48
